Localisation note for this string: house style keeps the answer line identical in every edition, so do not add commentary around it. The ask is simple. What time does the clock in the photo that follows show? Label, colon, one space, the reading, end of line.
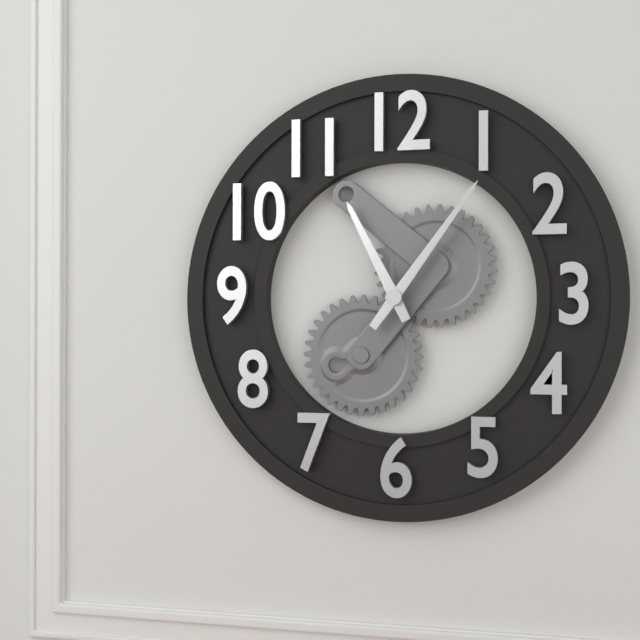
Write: 11:06
